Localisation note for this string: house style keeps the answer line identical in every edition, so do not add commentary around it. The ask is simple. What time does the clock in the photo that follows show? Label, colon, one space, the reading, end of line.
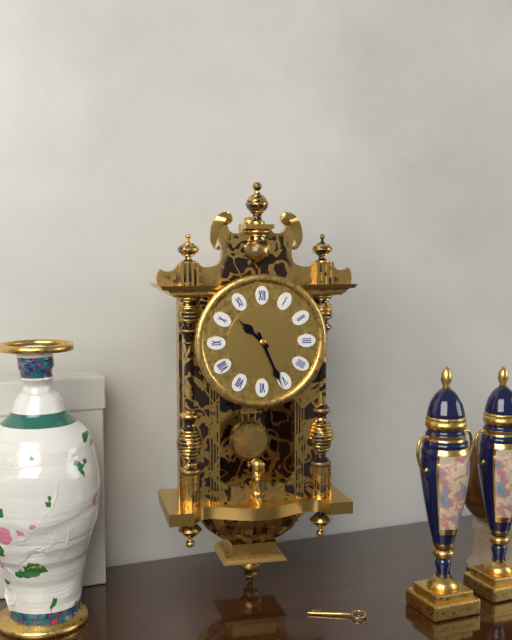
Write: 10:26
